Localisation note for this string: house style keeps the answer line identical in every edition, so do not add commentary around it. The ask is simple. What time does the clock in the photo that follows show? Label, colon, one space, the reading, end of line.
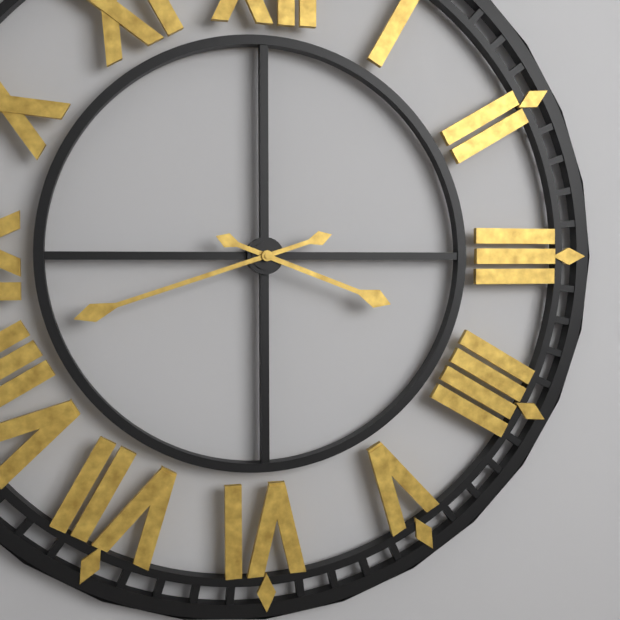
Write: 3:42
